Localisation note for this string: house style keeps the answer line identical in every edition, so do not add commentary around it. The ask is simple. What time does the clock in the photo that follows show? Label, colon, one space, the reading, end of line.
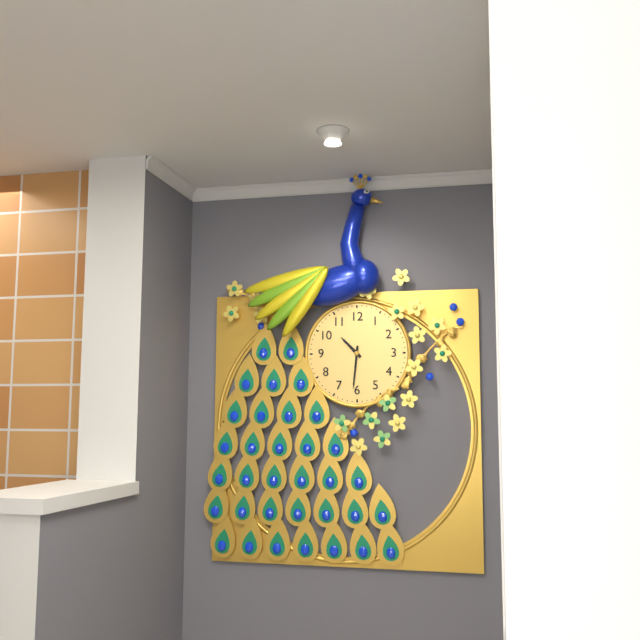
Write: 10:31
